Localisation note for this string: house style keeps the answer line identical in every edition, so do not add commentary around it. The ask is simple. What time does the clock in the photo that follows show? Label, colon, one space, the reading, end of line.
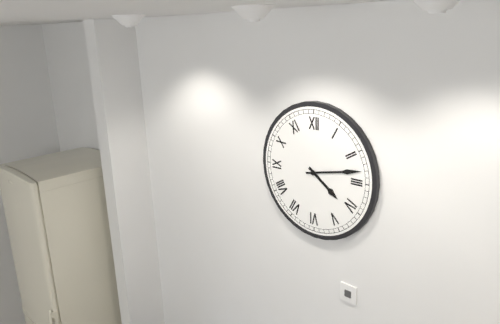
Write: 4:13
